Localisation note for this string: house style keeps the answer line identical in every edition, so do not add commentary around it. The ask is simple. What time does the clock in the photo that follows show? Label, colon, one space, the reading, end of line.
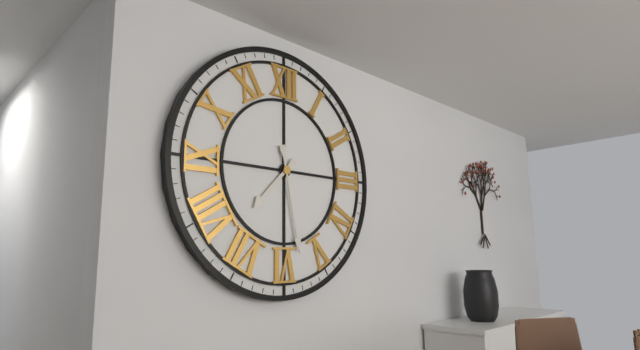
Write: 7:28
